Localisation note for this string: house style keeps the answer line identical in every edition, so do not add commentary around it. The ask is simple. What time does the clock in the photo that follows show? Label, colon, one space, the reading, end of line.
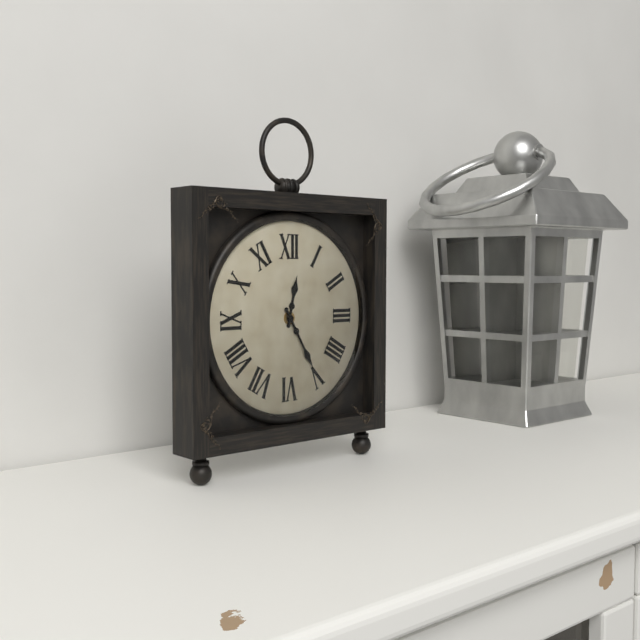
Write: 12:25
